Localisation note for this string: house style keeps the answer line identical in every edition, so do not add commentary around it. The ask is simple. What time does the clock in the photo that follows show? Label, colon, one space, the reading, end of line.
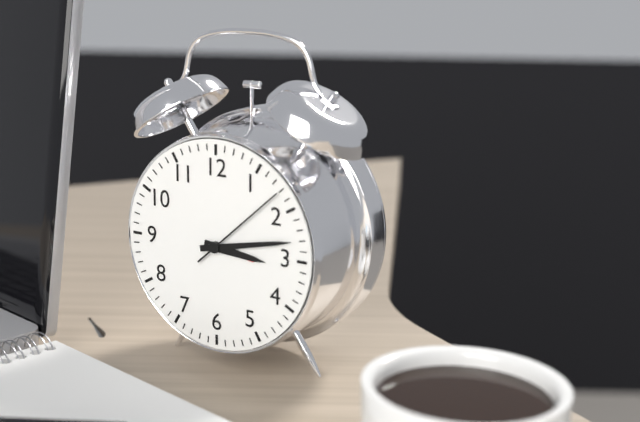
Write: 3:13:08
